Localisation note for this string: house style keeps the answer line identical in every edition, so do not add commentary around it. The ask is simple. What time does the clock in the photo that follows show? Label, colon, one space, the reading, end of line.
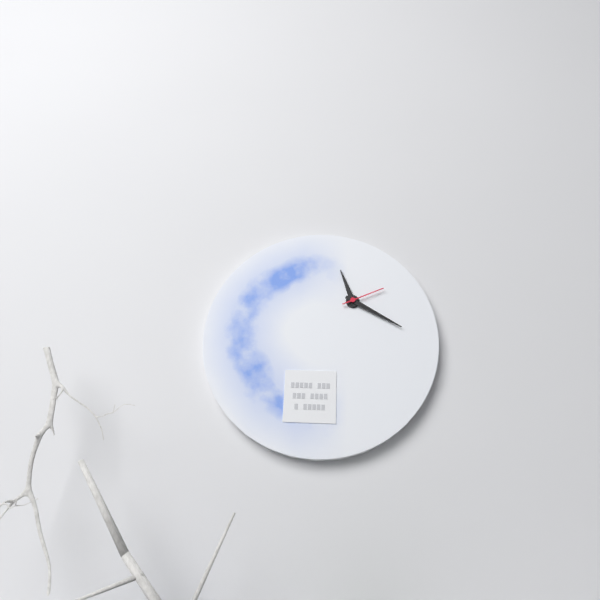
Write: 11:20
